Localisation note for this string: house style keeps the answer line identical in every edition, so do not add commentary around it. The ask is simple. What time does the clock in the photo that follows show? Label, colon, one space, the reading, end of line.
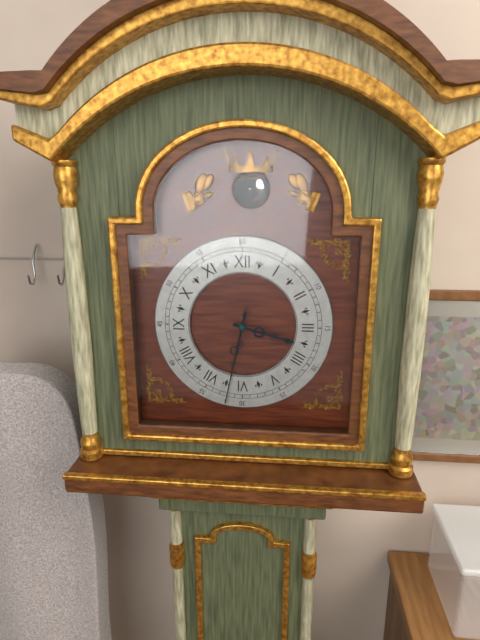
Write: 3:32
